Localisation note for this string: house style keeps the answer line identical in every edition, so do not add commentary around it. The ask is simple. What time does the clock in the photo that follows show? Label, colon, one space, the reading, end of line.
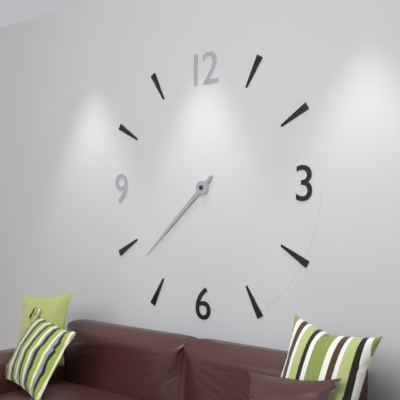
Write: 7:38
